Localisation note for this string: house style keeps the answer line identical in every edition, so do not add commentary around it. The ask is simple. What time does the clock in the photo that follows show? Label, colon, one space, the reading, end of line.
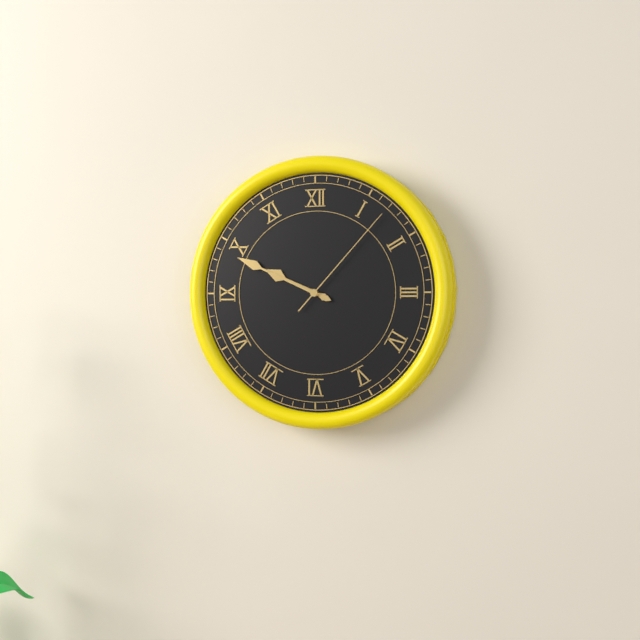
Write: 9:49:07
